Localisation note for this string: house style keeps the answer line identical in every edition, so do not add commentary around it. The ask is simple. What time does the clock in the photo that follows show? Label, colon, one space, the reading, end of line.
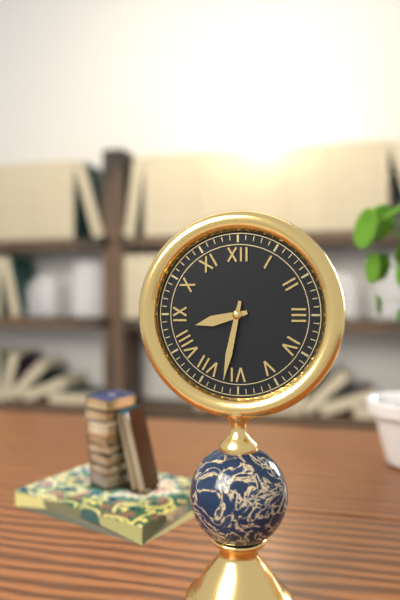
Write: 8:32
